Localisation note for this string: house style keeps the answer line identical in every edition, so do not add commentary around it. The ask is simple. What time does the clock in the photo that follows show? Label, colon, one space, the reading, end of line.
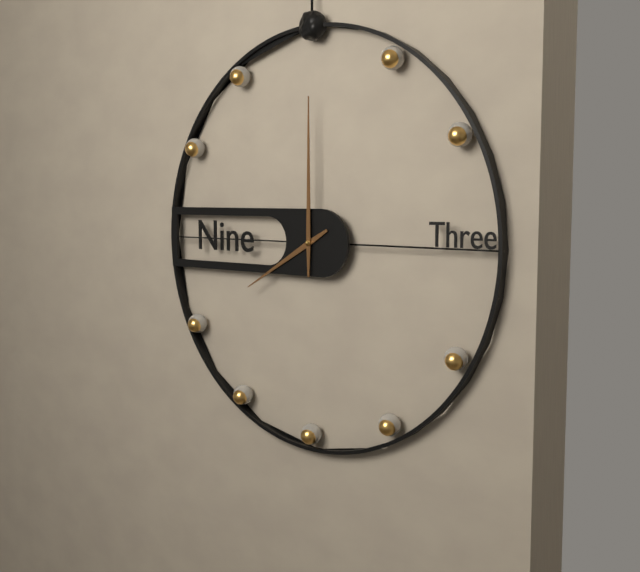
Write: 8:00
